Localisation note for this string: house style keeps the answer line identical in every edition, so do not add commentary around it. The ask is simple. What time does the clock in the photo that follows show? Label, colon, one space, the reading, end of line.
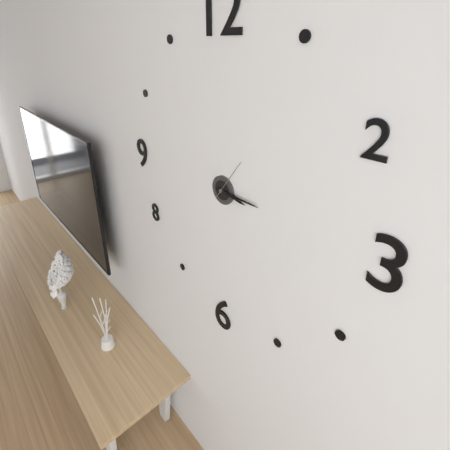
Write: 3:15
